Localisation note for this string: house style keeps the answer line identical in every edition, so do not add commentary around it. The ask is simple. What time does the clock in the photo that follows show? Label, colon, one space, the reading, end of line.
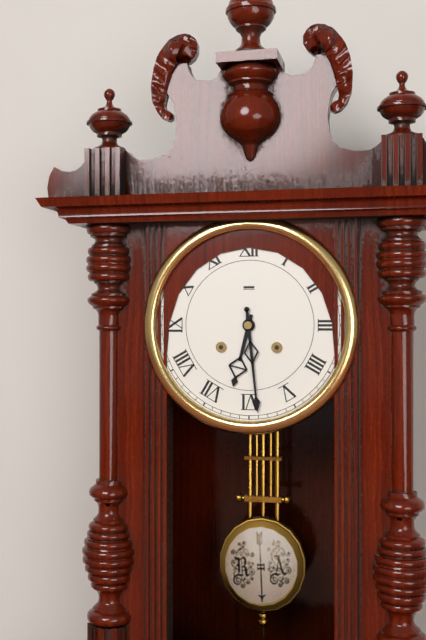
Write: 6:29
